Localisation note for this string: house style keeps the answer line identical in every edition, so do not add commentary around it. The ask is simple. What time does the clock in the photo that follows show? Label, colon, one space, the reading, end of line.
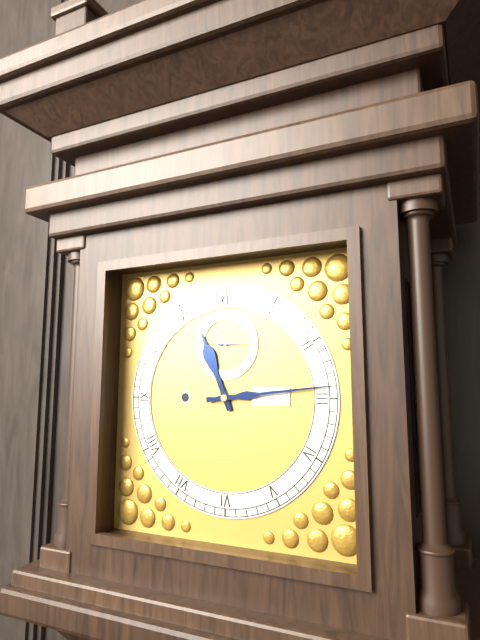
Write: 11:14
